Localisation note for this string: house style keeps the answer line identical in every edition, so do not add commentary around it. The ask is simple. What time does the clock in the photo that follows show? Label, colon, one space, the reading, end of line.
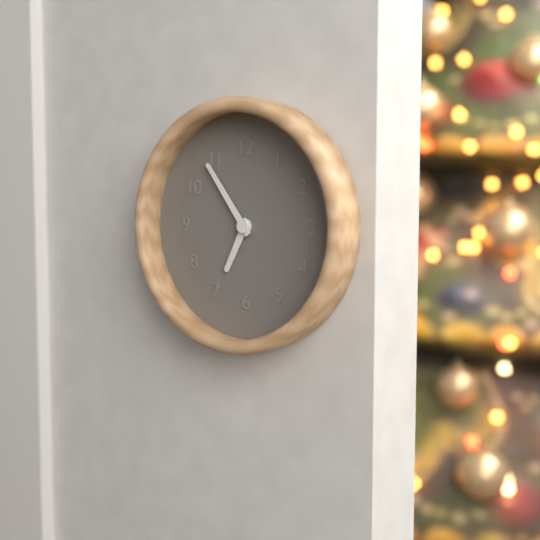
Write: 6:54
